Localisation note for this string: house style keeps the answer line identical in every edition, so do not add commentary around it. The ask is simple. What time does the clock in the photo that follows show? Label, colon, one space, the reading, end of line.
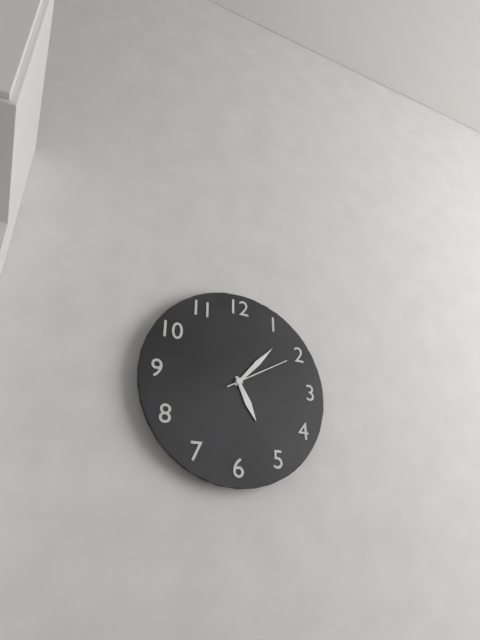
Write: 5:07:10
